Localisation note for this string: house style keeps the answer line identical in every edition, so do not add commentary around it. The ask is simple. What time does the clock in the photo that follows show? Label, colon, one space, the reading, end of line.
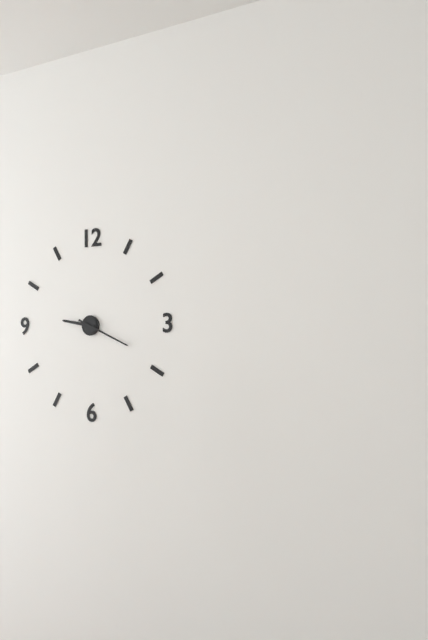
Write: 9:19
